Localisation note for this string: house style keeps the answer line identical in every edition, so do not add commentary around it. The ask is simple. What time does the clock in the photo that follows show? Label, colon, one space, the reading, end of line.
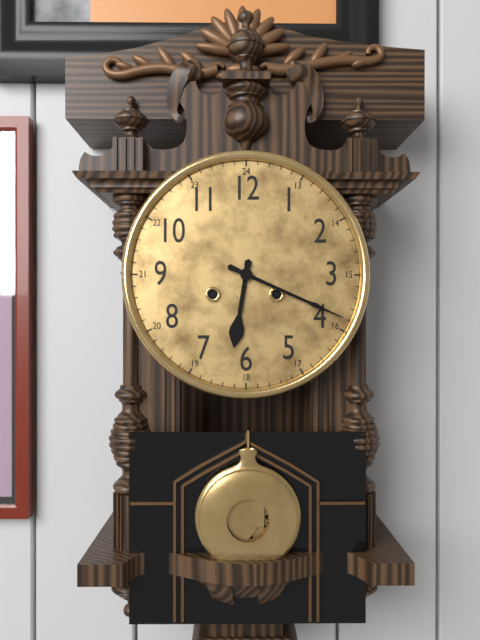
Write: 6:19
